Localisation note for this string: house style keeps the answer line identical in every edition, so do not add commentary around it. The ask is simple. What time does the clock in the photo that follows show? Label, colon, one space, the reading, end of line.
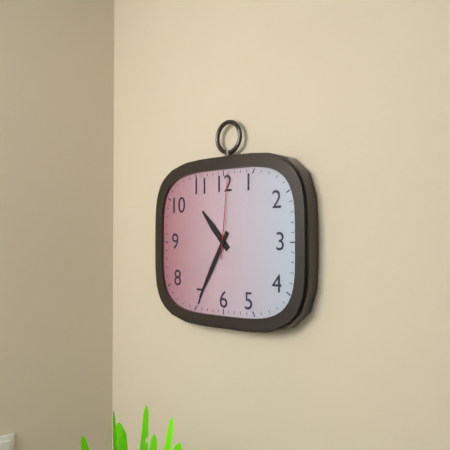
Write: 10:35:01
